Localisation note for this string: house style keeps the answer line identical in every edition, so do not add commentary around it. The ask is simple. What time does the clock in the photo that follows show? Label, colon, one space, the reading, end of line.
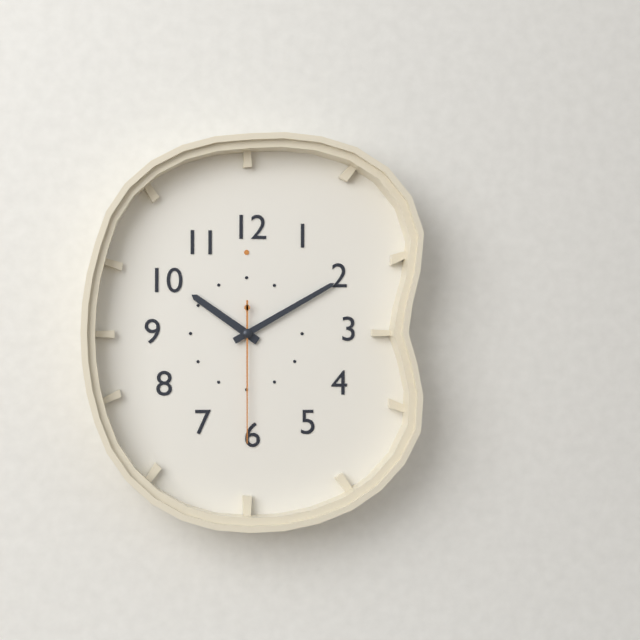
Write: 10:10:30
